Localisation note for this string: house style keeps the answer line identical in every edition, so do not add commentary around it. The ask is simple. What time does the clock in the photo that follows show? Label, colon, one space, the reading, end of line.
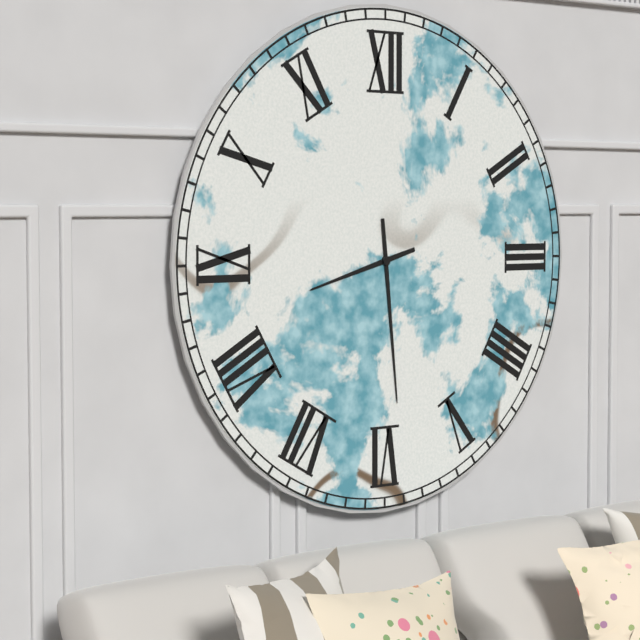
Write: 8:29
